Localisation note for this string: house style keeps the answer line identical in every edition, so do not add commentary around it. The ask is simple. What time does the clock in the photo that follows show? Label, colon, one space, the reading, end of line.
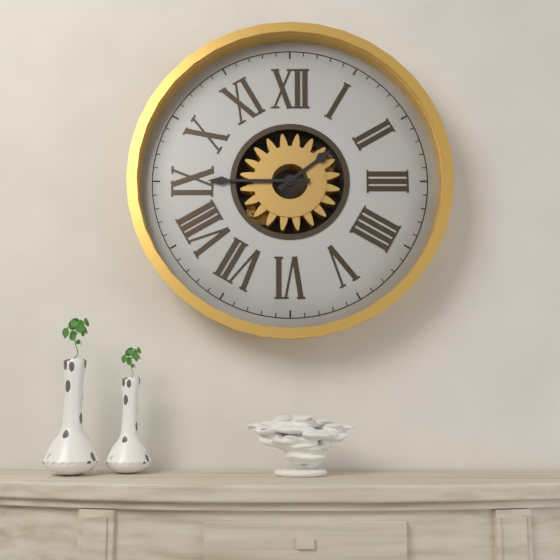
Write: 1:45
